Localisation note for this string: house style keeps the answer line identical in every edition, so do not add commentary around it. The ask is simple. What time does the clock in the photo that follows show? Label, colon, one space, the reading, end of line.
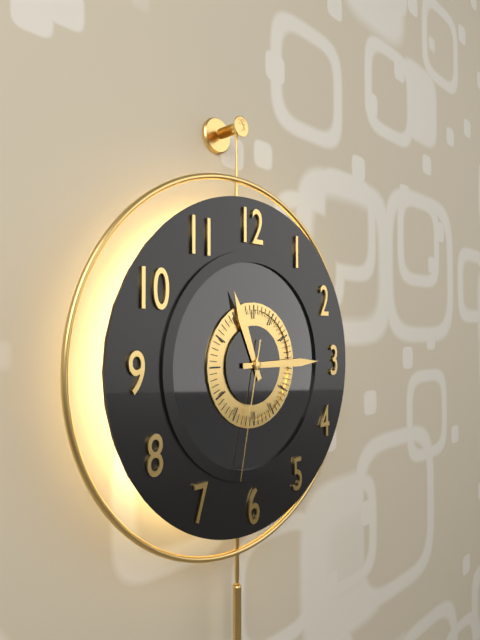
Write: 11:15:32
